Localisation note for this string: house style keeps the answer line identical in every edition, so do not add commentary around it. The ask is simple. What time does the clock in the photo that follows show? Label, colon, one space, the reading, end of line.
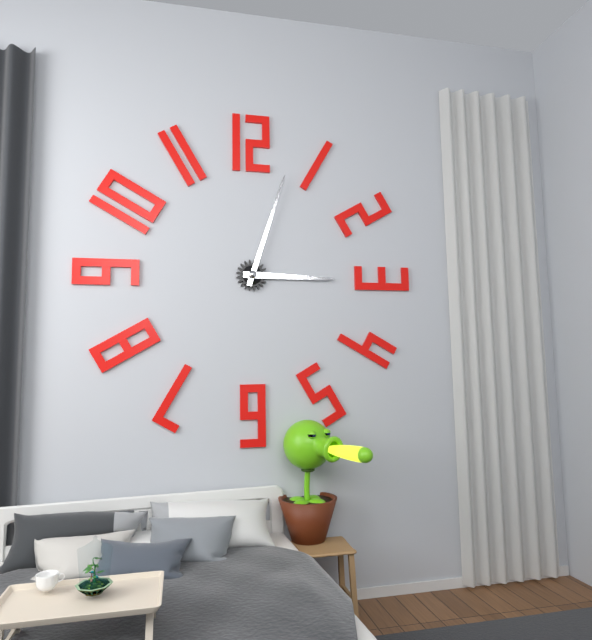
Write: 3:03
